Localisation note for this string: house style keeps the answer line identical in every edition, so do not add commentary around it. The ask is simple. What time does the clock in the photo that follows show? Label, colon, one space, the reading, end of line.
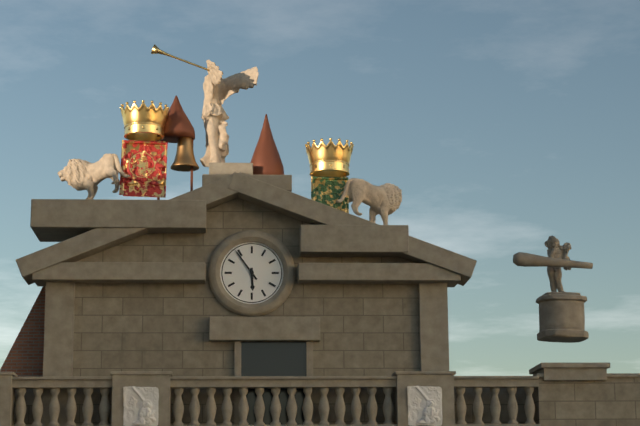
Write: 5:54
